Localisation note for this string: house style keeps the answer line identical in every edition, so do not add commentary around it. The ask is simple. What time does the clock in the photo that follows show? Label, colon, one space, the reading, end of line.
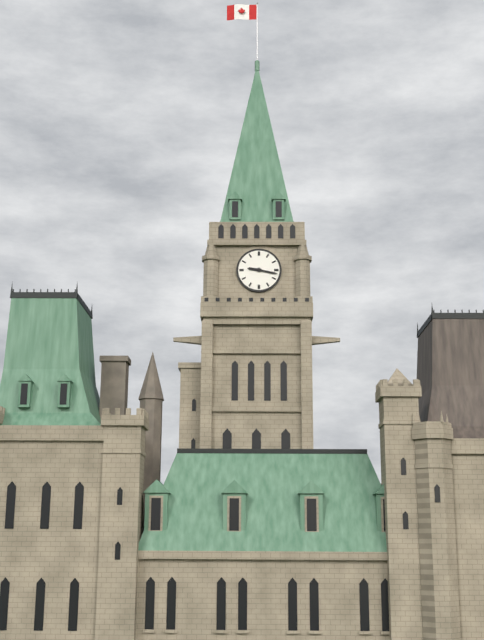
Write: 9:17
